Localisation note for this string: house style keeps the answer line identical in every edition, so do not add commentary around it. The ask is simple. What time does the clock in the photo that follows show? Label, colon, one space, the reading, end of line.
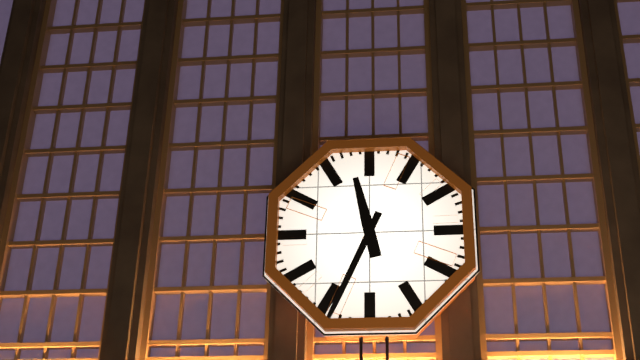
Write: 11:34
